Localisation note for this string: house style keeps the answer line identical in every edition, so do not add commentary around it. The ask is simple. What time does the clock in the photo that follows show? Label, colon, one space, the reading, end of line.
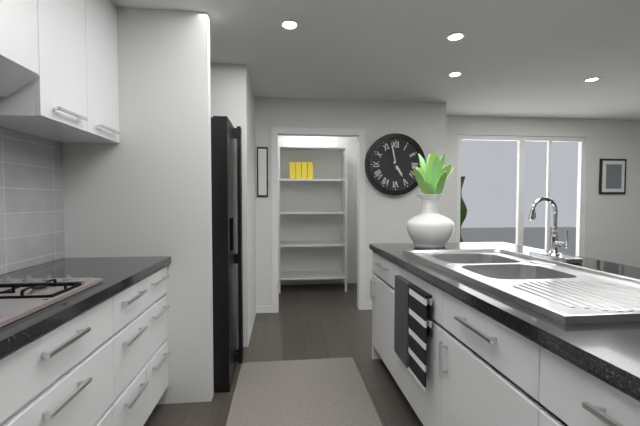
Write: 4:58
